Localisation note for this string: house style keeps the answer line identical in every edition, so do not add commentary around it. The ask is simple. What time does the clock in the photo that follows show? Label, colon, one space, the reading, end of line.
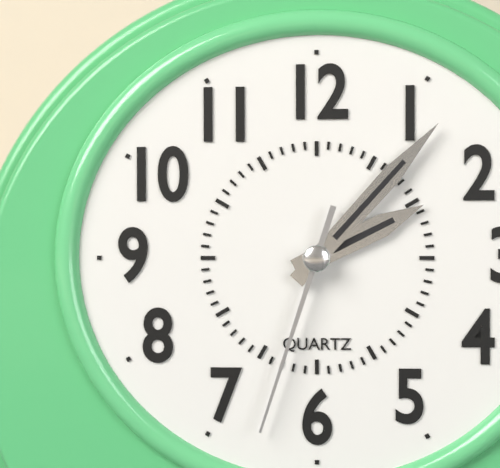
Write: 2:07:33
